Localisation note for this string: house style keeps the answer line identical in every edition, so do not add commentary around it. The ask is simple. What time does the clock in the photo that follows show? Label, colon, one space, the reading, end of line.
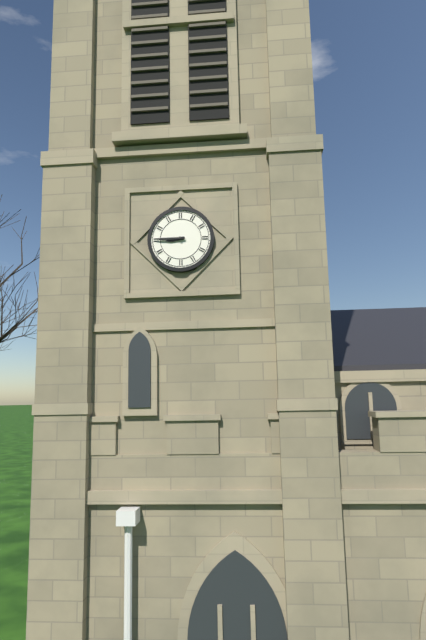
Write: 8:45
